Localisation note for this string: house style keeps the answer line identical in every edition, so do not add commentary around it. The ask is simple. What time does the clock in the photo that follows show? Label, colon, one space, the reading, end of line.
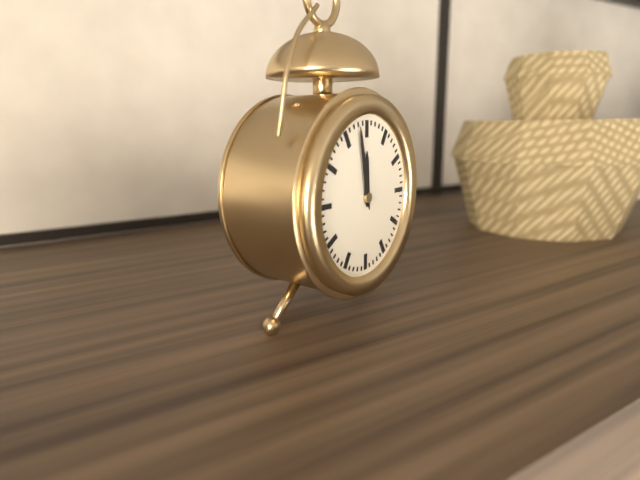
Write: 11:58
